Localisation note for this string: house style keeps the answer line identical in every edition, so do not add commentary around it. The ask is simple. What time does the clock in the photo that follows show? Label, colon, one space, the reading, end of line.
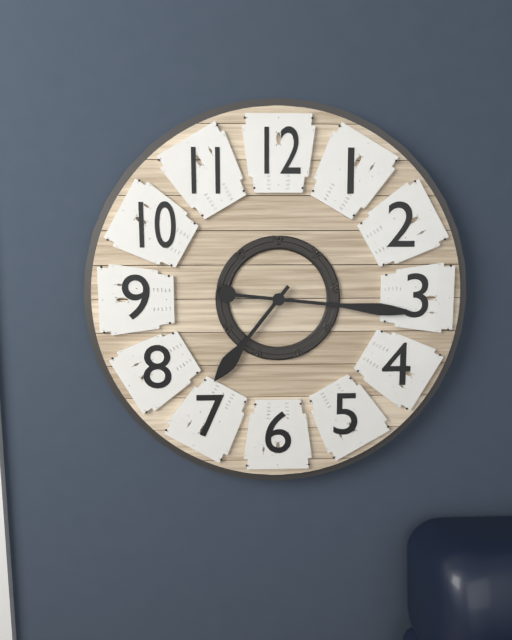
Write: 7:16
